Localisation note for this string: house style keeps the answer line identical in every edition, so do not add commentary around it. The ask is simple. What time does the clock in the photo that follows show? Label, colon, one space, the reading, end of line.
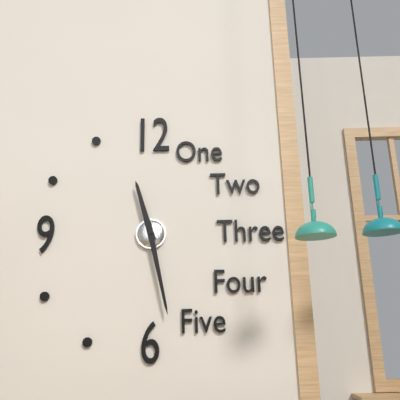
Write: 11:28
